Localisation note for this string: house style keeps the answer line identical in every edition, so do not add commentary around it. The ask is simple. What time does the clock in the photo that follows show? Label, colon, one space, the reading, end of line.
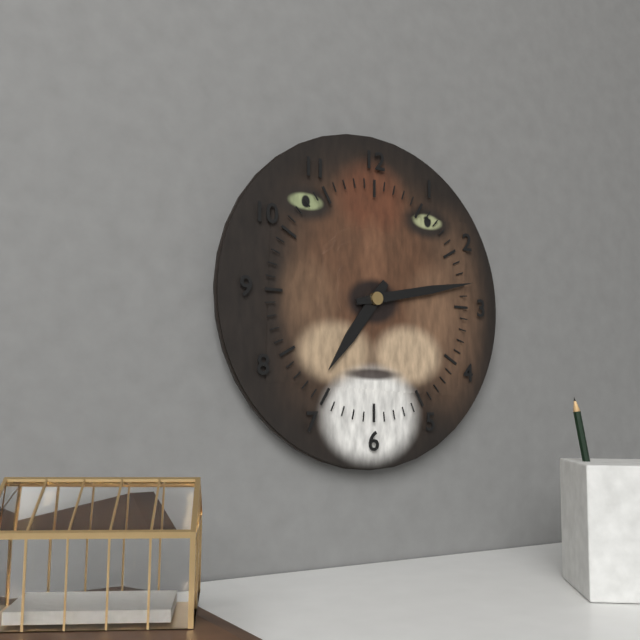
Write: 7:13
